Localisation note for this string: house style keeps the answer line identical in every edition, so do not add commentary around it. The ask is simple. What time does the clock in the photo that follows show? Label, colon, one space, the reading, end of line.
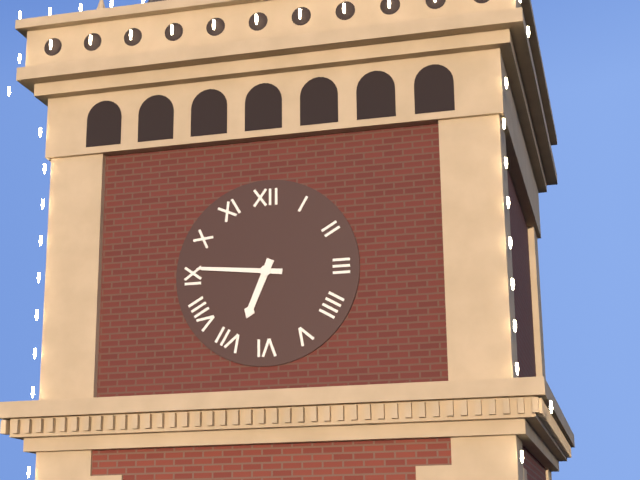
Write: 6:46
